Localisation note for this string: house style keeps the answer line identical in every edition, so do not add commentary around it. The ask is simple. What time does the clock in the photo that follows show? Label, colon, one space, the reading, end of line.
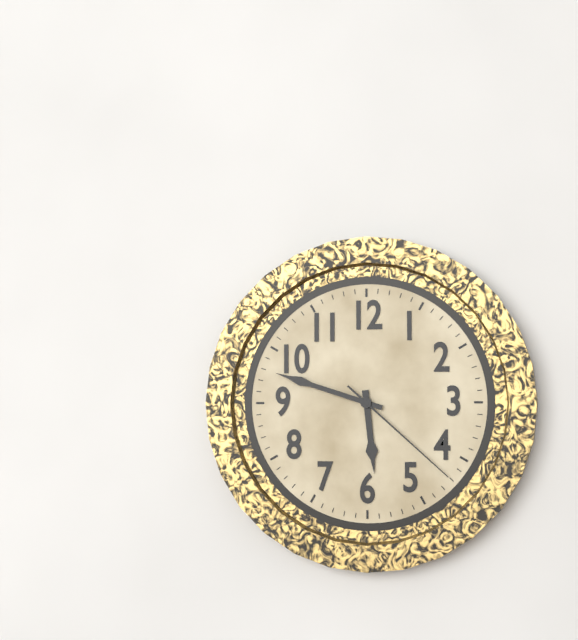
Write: 5:48:22
